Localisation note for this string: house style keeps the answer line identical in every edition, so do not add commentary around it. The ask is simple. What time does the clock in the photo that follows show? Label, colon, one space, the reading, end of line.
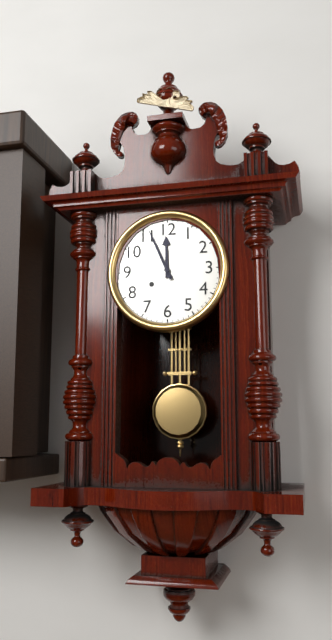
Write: 11:56
